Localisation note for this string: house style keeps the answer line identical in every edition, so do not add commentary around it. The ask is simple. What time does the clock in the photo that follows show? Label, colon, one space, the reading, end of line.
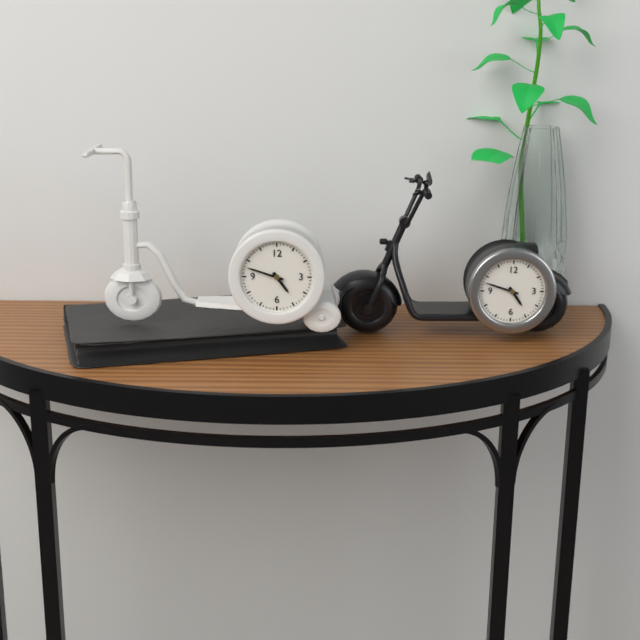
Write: 4:48
